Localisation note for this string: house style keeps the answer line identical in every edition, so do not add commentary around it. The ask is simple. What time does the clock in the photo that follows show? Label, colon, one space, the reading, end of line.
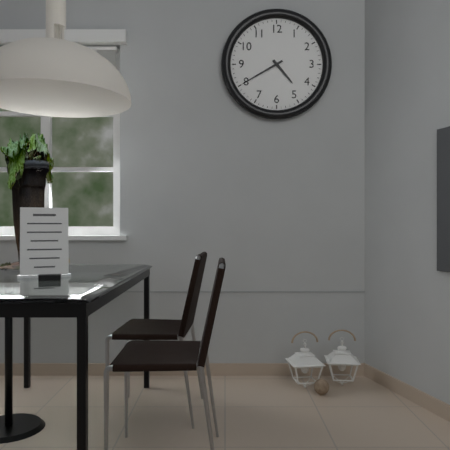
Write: 4:40
